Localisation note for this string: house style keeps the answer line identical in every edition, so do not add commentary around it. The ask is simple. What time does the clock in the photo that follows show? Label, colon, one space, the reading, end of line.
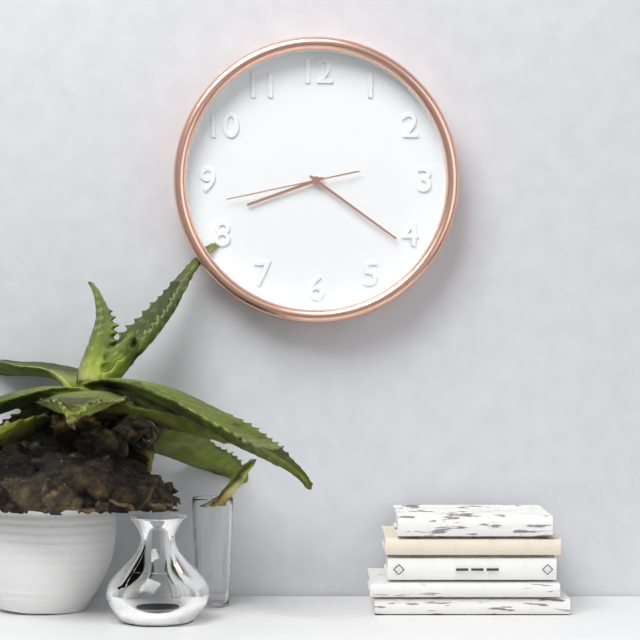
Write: 8:21:43
